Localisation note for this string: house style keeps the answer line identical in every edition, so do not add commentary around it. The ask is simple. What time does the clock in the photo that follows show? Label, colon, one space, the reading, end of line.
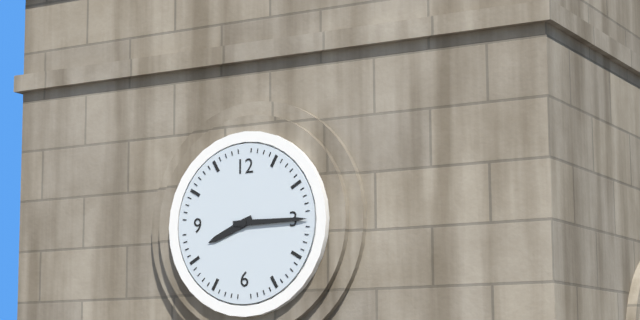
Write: 8:15
